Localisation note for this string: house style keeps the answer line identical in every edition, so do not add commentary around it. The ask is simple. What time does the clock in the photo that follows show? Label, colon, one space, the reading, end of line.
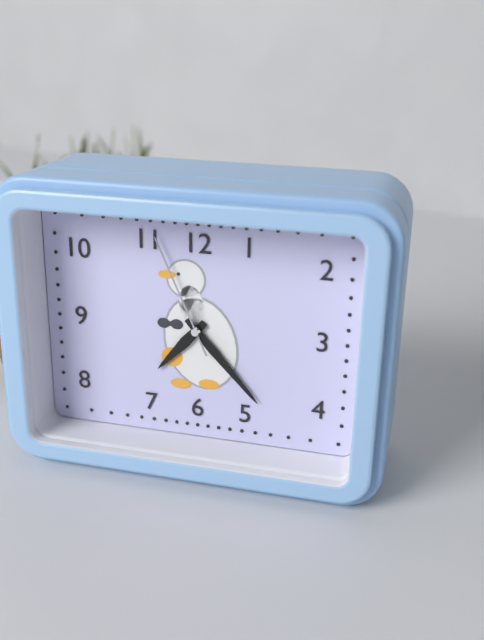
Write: 7:23:56
